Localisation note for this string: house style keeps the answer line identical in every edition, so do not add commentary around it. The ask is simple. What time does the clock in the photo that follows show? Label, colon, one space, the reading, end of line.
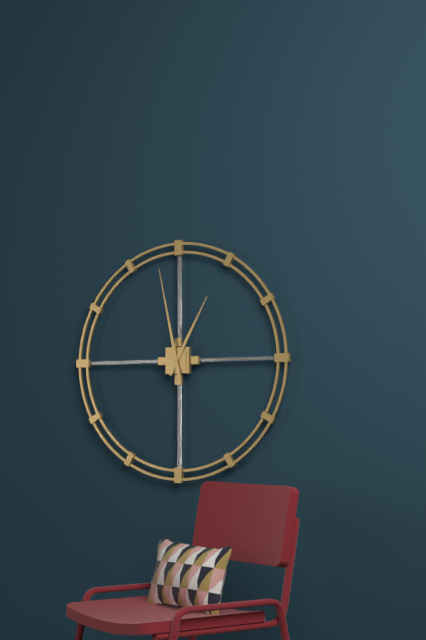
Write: 12:58
